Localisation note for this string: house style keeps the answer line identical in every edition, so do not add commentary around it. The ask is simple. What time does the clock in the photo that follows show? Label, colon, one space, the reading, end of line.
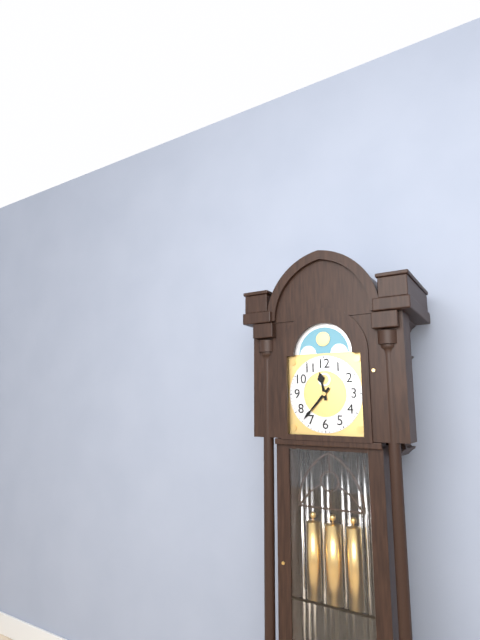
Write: 11:37
